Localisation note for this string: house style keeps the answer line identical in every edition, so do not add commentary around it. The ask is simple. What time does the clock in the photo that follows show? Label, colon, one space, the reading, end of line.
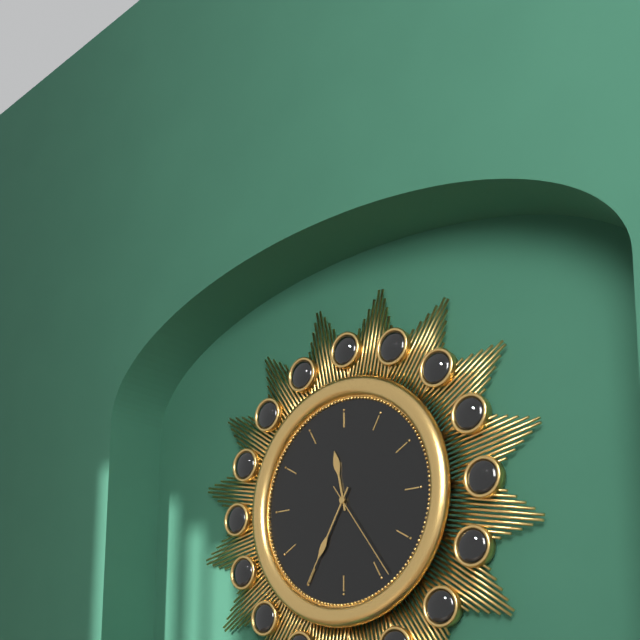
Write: 11:35:24
